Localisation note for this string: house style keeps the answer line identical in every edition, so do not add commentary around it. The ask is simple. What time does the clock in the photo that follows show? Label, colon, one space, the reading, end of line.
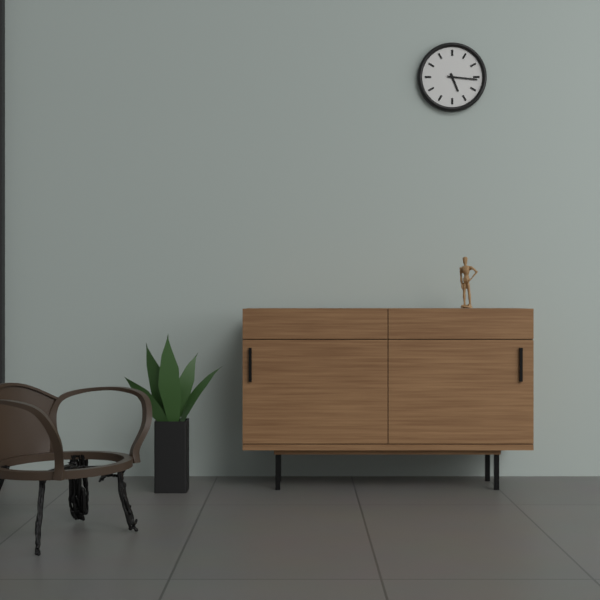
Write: 5:16
